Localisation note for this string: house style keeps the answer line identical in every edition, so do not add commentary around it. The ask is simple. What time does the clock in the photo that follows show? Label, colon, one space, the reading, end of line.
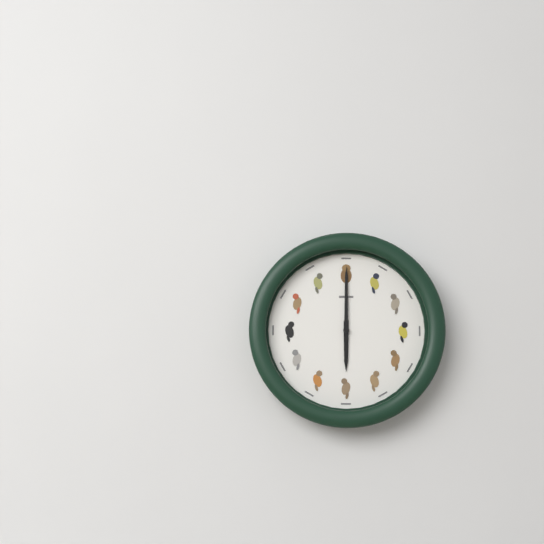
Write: 6:00
